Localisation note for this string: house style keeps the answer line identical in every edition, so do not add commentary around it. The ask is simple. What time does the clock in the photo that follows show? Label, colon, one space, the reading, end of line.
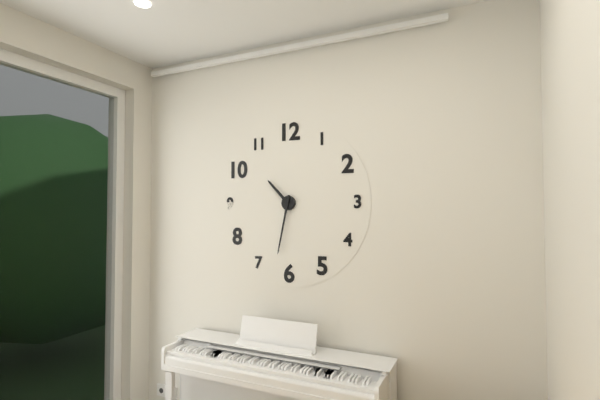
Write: 10:32
